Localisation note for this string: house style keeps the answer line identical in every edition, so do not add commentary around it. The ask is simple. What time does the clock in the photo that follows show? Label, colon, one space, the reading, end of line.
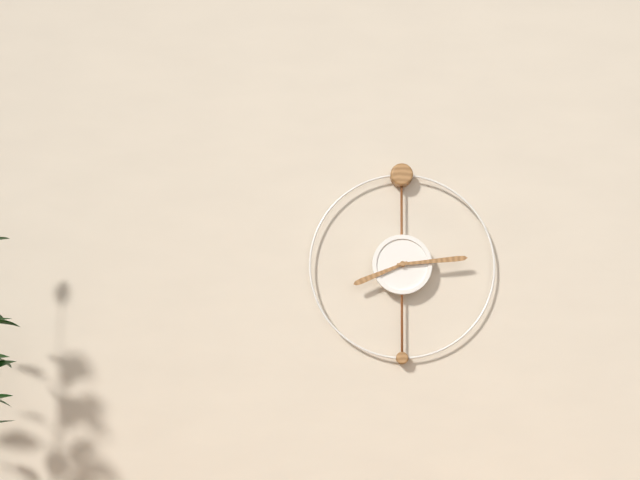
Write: 8:14
